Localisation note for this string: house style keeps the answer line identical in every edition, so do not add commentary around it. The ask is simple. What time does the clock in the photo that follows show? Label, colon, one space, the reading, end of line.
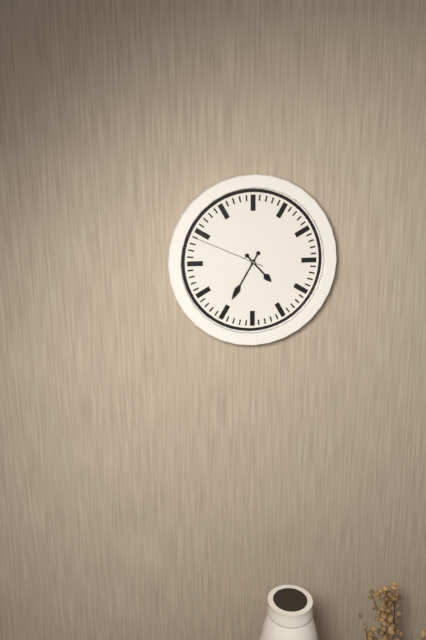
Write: 4:35:49
